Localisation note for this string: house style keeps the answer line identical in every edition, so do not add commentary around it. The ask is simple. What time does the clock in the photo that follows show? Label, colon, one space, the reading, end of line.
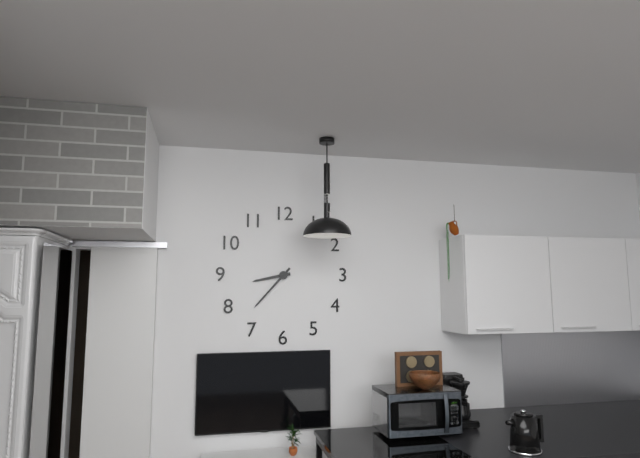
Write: 8:37
